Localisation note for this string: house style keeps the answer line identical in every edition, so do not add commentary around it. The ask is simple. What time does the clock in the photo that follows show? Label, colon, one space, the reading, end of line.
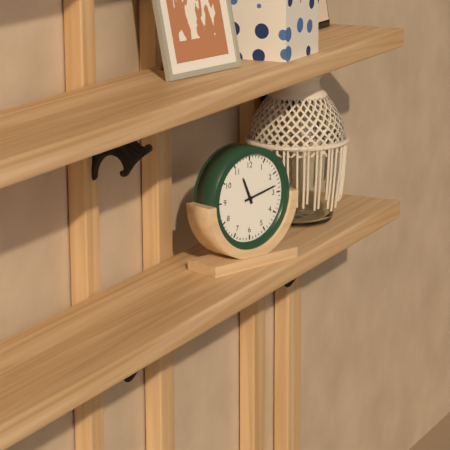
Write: 11:13
